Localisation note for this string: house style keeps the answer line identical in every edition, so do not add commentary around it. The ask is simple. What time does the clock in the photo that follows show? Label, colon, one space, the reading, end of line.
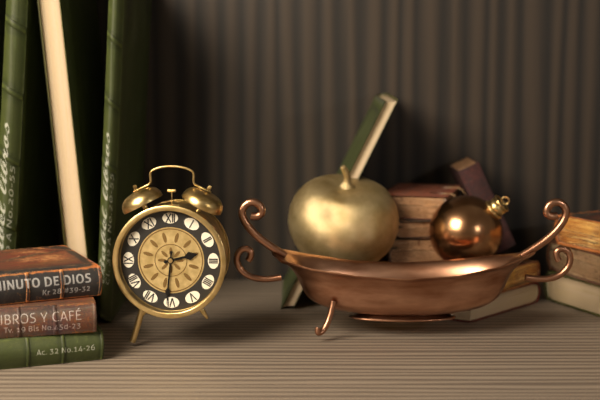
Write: 2:31
